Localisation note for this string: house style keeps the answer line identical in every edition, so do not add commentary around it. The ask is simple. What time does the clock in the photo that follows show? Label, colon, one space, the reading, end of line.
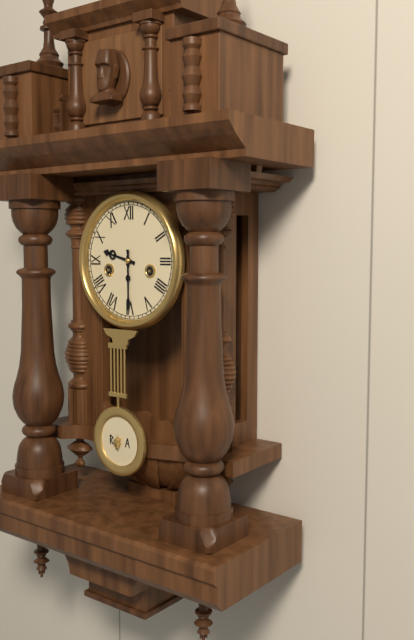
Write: 9:30
